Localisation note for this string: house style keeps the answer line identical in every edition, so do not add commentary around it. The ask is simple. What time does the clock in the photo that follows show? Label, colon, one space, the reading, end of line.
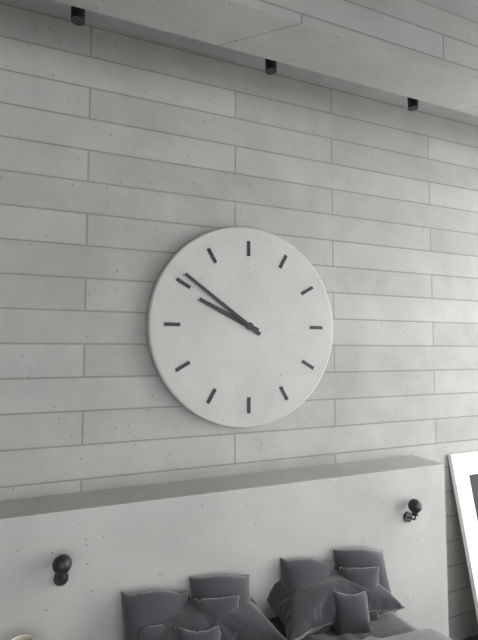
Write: 9:51
